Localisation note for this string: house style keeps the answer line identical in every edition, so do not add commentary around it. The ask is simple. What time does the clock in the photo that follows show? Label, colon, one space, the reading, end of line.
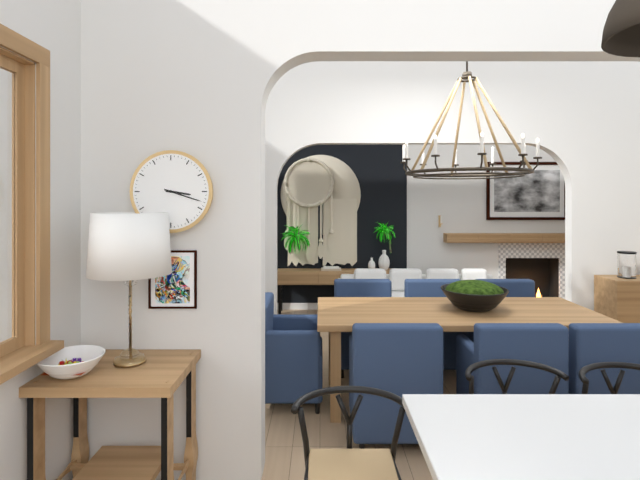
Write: 3:18
